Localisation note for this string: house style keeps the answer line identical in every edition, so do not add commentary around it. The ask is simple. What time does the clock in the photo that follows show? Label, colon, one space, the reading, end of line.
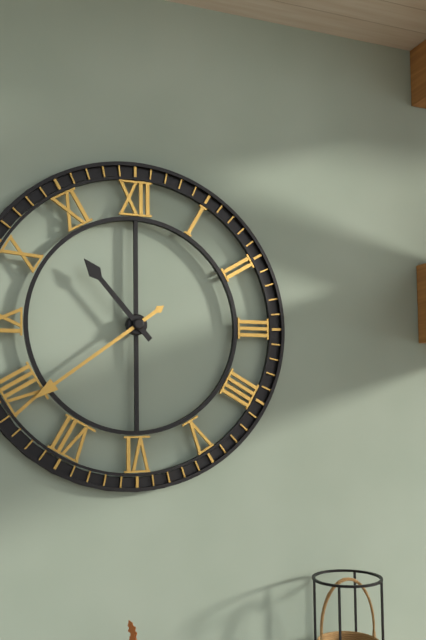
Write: 10:39
